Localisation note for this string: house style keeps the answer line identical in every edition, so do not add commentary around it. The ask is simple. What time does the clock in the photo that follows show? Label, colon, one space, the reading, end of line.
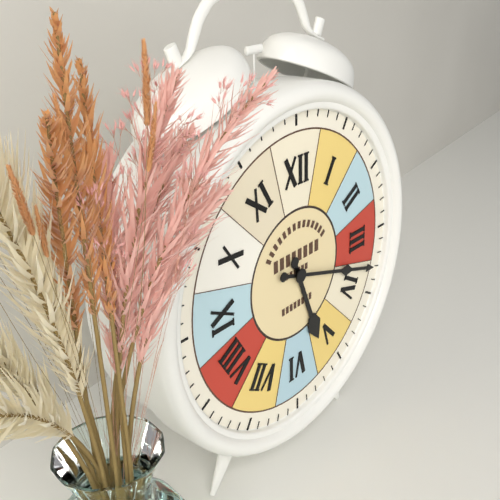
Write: 5:18
